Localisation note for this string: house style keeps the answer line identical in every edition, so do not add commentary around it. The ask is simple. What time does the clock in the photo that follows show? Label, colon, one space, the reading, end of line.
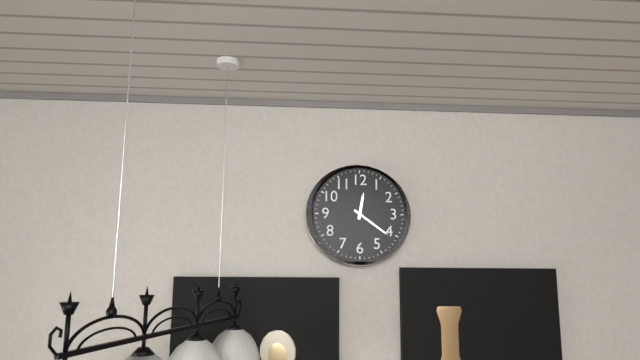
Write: 12:21
